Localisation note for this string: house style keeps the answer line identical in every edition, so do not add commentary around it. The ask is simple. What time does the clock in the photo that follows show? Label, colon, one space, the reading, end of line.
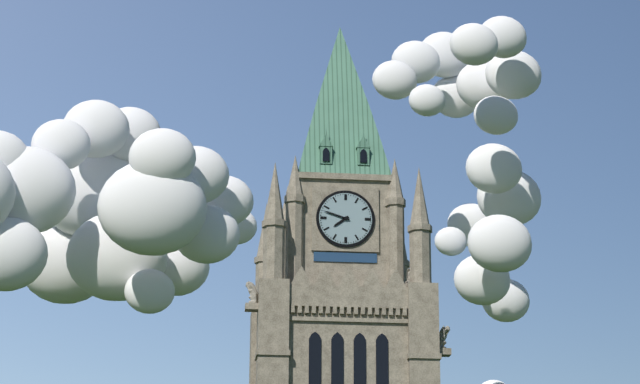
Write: 7:48
